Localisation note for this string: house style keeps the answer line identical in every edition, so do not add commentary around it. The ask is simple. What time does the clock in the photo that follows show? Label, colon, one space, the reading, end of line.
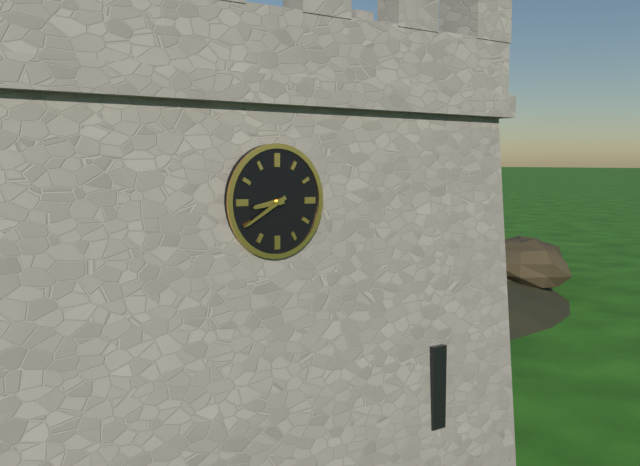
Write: 8:40
